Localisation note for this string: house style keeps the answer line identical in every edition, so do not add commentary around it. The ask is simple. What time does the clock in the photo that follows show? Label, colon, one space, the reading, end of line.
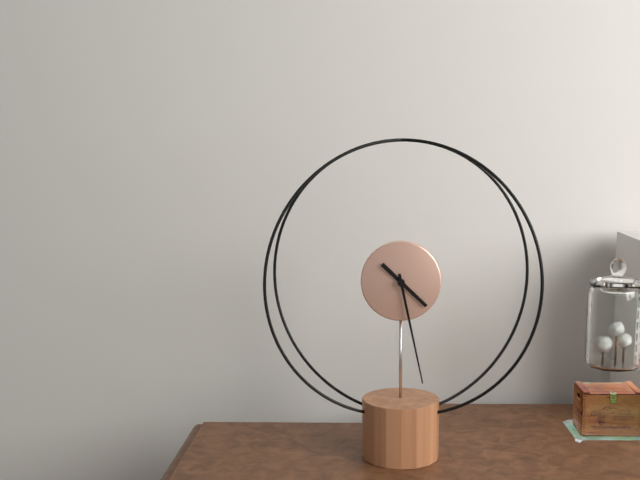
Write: 4:28
